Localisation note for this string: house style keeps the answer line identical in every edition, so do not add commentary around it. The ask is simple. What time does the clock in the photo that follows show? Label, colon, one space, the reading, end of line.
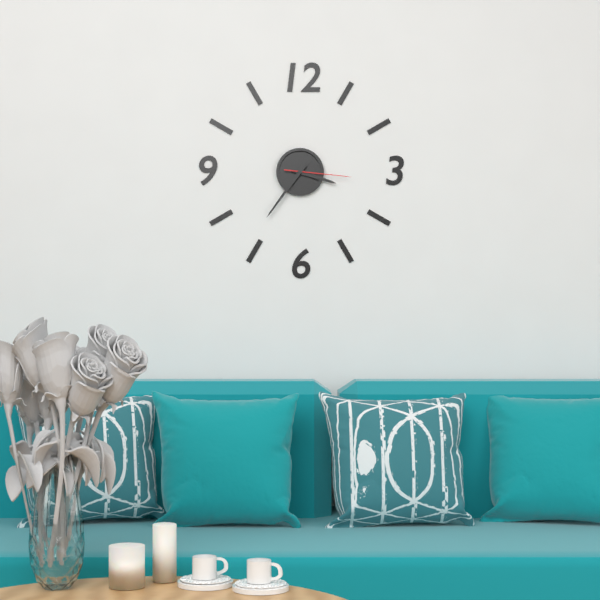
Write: 3:36:16
